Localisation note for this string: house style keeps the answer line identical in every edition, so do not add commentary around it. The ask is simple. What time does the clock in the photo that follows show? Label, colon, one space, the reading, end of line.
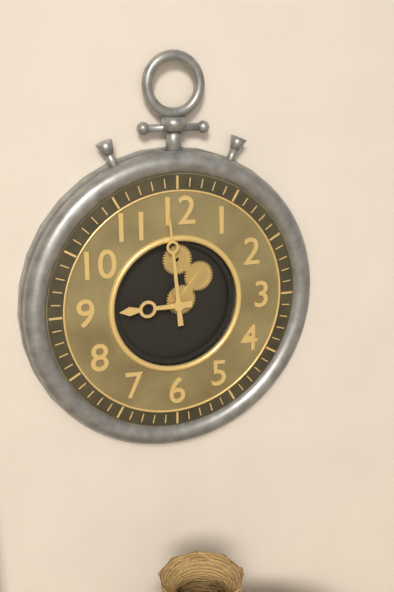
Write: 8:59
